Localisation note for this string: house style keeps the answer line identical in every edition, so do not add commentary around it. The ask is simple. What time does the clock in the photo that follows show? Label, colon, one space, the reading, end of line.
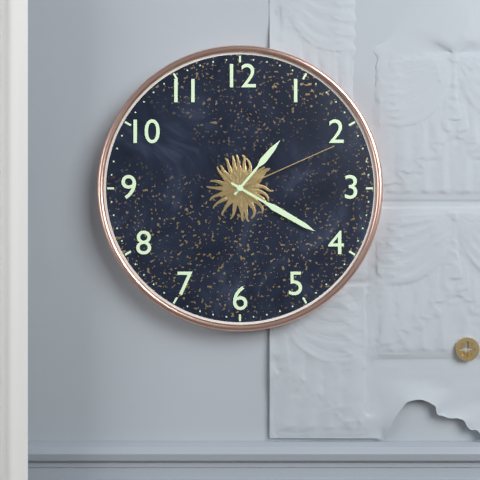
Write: 1:20:11
